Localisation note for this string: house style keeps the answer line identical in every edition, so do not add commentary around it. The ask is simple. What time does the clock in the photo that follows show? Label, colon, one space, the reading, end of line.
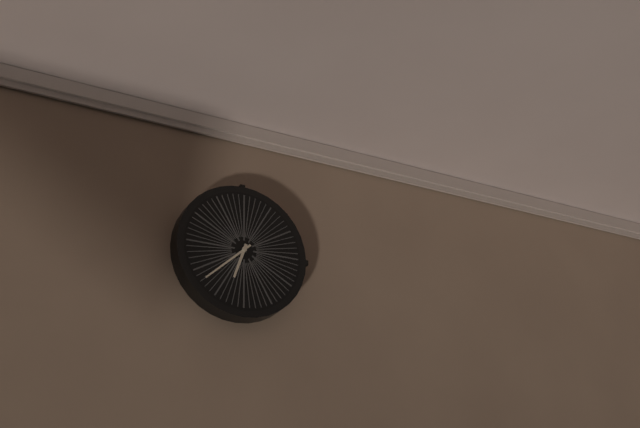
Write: 6:38
